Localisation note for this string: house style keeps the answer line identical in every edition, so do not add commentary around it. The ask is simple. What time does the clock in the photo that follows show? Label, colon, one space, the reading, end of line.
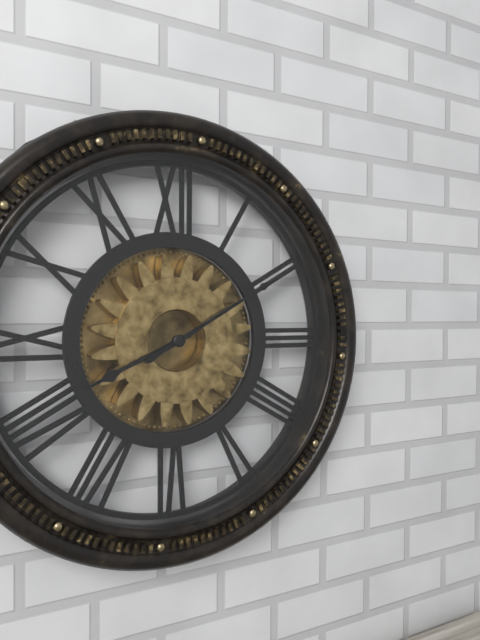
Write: 8:10
